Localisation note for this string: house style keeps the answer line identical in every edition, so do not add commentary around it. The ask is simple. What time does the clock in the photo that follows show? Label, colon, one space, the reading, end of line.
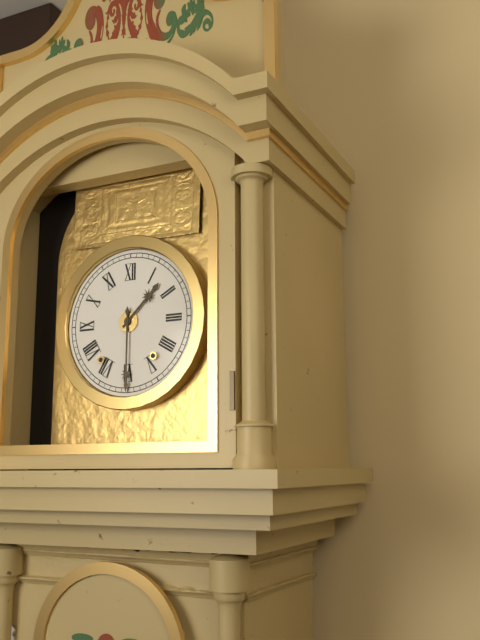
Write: 1:30
